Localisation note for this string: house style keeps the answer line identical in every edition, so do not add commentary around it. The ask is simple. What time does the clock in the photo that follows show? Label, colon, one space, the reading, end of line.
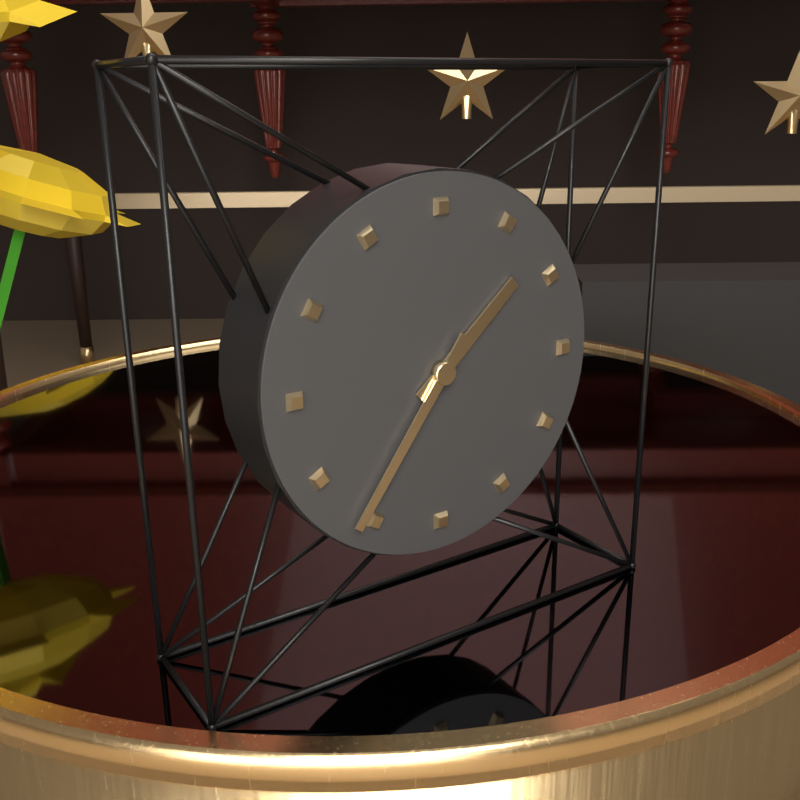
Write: 1:36
